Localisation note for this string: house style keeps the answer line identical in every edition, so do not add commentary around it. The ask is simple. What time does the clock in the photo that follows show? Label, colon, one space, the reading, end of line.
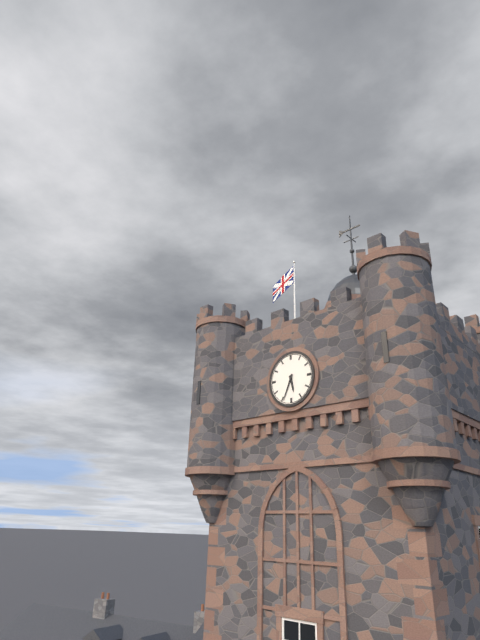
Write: 5:34
